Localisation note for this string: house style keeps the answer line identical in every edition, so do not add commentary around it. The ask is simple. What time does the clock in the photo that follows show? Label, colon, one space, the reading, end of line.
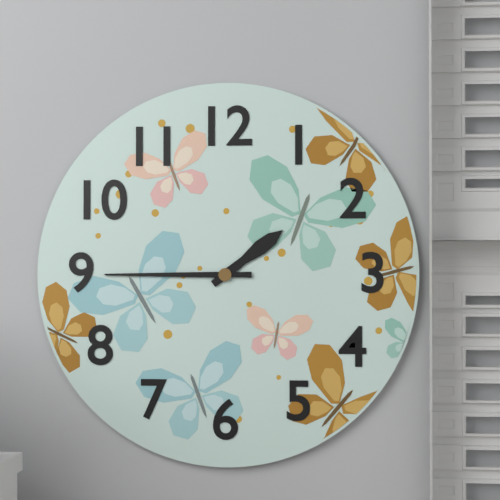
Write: 1:45
